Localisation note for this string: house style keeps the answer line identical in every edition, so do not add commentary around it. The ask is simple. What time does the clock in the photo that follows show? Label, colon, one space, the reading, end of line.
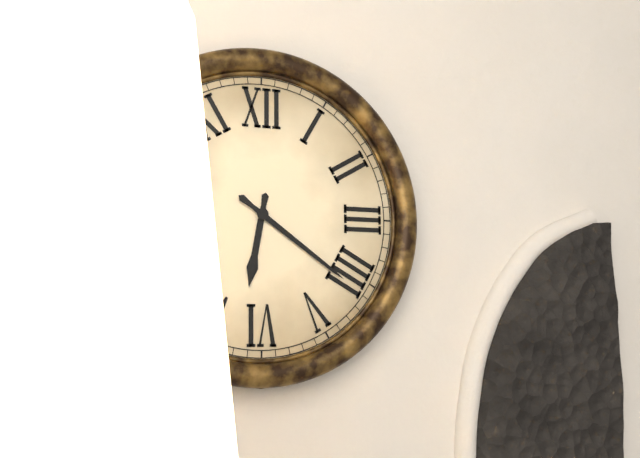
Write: 6:21
